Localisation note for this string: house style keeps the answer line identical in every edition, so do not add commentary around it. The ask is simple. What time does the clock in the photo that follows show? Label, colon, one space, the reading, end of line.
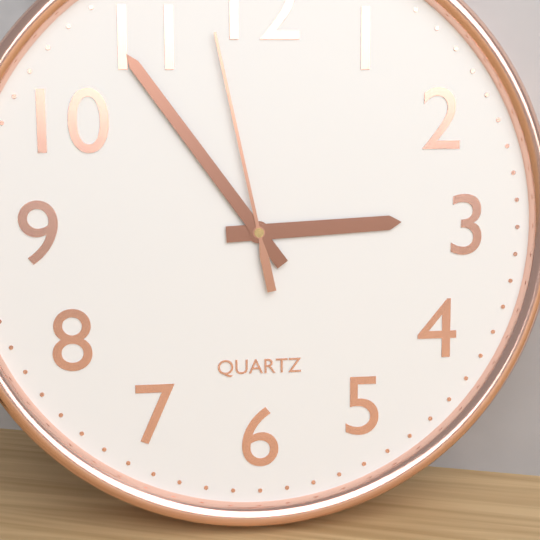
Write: 2:54:58
